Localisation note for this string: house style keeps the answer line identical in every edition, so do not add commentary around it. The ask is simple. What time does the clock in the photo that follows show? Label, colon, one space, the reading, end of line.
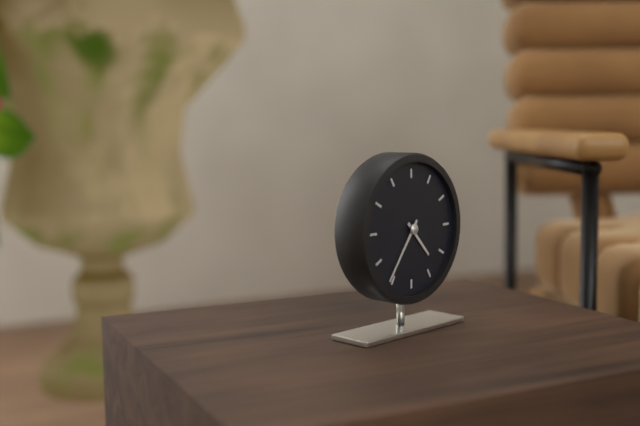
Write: 4:36
